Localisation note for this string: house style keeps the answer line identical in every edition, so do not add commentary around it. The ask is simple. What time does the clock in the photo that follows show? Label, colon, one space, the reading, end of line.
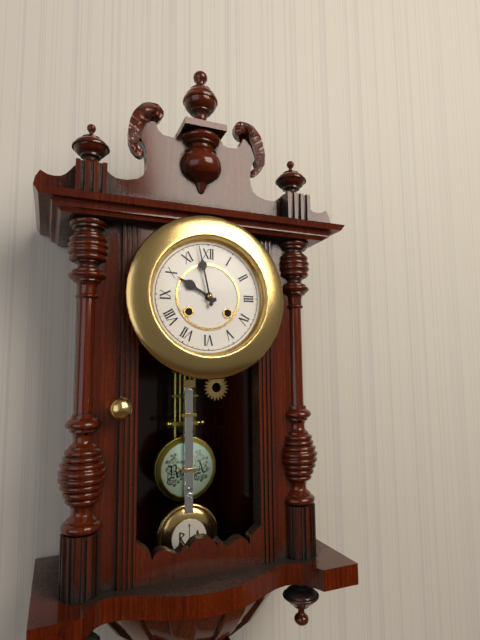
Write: 9:58
